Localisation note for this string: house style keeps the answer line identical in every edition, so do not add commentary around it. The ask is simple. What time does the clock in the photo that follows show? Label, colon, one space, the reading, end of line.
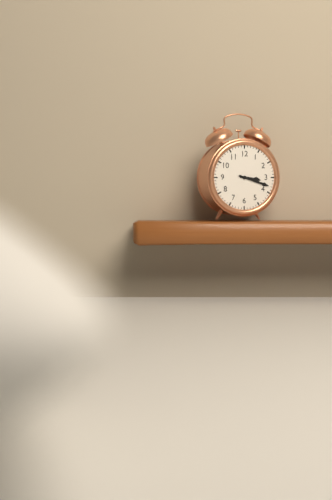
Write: 3:18
